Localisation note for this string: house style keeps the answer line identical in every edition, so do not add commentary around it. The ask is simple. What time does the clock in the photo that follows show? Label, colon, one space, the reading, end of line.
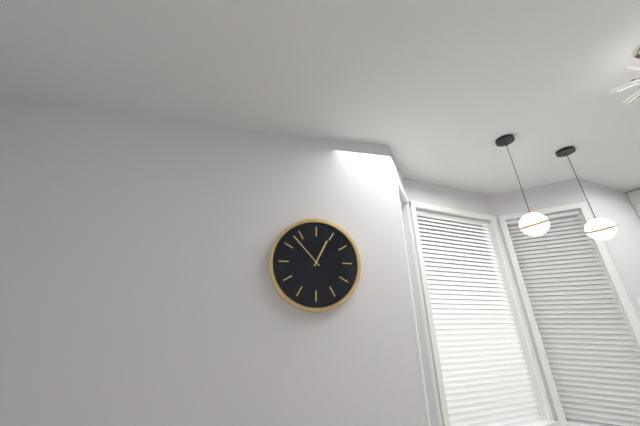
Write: 12:53
